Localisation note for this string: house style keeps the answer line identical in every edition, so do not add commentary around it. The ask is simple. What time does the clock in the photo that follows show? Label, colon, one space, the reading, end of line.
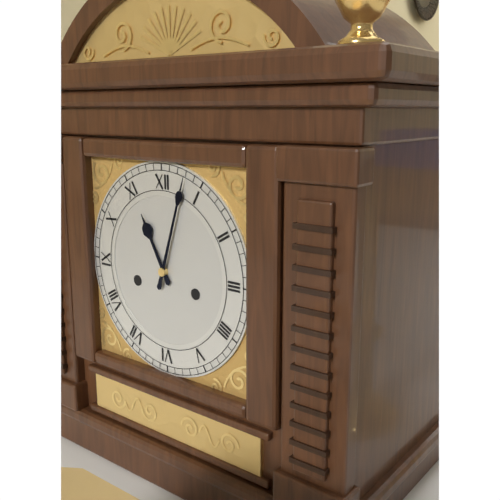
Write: 11:03
